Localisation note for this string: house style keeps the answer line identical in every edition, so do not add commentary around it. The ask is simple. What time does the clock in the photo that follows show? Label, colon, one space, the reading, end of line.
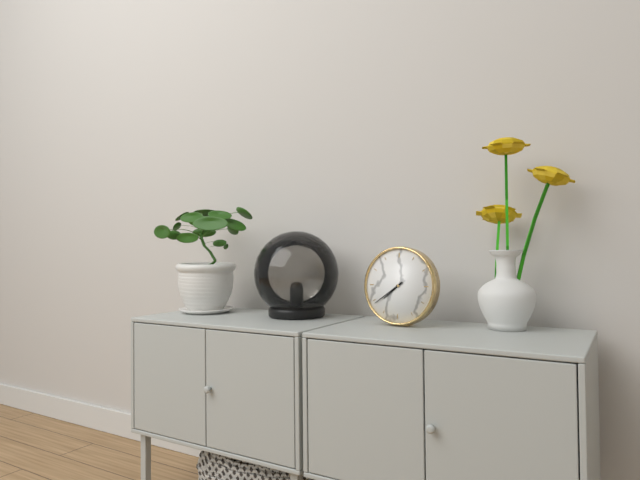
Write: 7:39
